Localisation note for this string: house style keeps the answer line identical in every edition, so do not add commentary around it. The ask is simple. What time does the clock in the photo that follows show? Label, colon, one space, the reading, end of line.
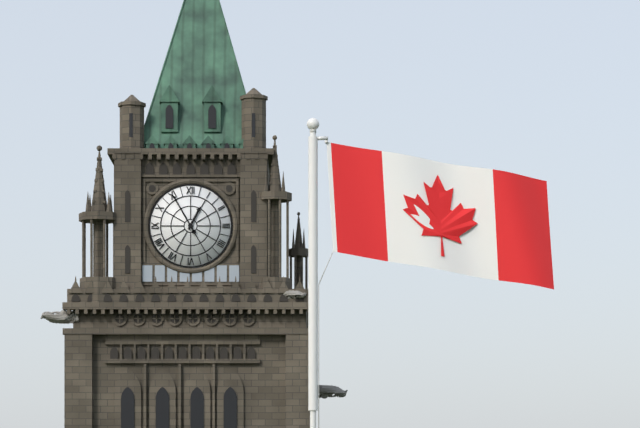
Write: 12:55
